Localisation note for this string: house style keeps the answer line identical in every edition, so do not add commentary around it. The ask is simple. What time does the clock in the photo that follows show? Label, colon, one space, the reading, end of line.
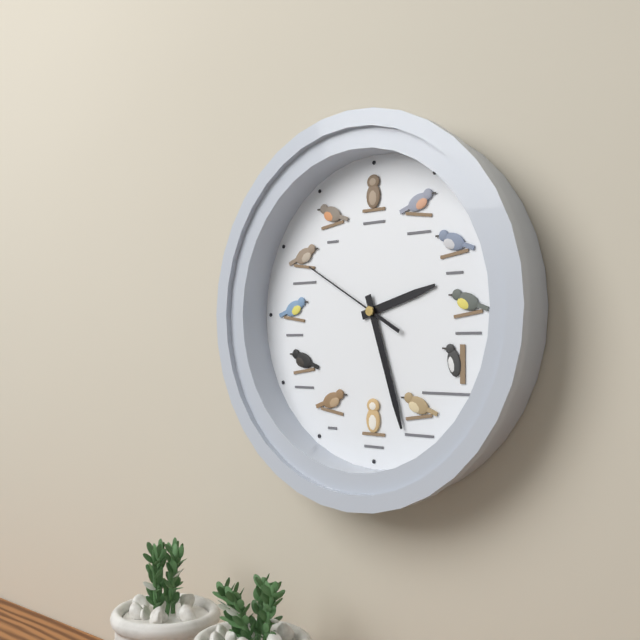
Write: 2:27:50
